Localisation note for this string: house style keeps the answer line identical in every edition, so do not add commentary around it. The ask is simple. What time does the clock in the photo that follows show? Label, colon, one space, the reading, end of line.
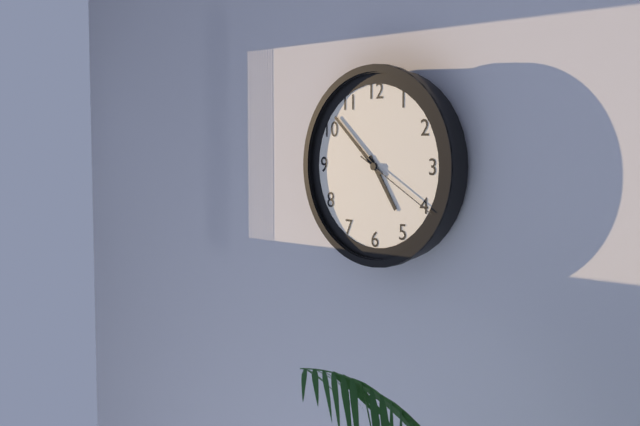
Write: 4:52:20
